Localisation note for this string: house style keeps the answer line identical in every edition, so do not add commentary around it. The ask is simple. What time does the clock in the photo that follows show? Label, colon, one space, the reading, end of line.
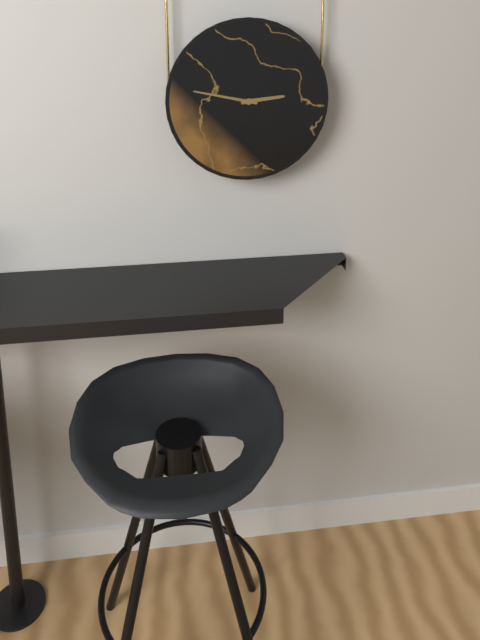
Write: 2:47
